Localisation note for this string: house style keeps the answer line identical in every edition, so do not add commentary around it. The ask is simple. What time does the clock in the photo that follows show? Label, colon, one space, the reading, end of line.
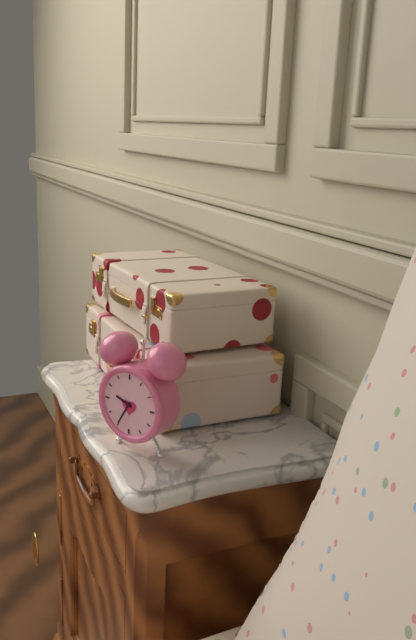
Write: 9:35
